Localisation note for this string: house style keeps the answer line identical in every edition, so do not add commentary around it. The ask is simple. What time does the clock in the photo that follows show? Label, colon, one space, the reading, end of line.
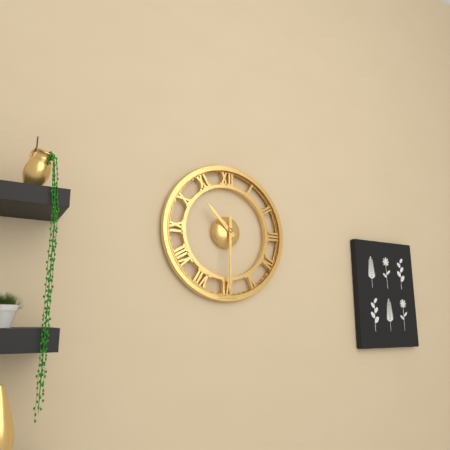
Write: 10:30
